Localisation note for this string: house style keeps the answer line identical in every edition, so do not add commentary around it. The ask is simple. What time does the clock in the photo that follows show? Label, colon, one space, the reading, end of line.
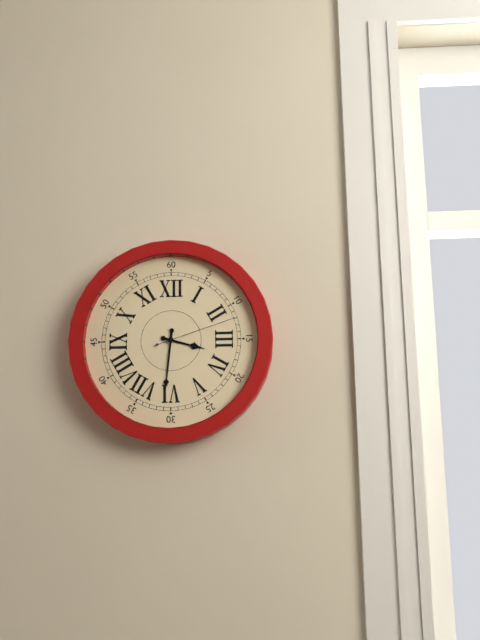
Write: 3:31:12
